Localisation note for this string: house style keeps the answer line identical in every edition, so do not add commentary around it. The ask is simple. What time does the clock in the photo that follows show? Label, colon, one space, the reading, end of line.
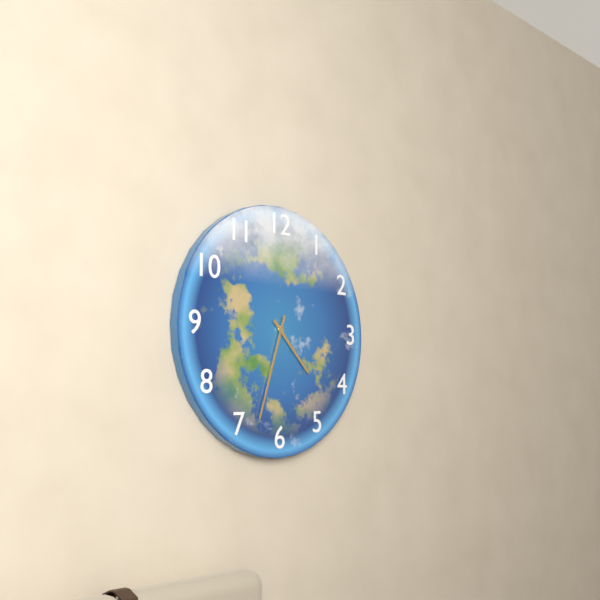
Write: 4:33
